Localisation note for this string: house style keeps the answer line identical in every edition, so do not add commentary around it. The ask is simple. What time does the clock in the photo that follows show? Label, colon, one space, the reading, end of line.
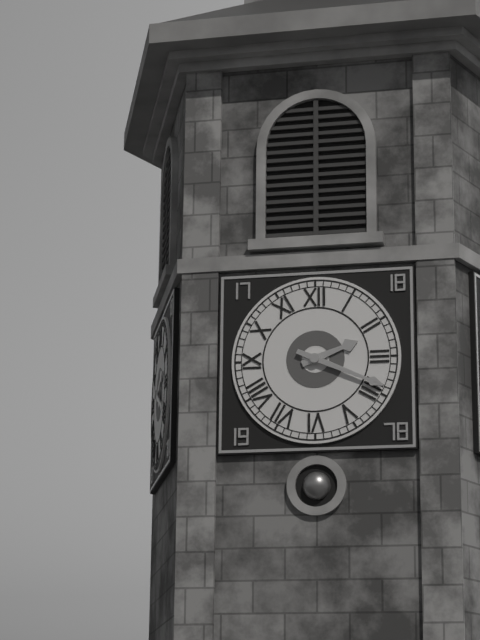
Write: 2:19
